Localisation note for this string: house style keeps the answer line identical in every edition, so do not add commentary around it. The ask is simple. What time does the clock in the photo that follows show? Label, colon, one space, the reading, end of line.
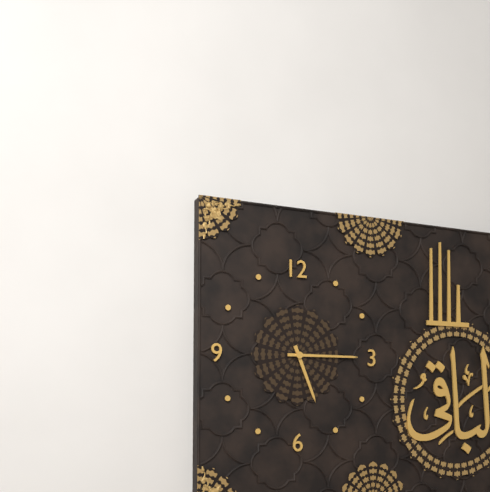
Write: 5:15
